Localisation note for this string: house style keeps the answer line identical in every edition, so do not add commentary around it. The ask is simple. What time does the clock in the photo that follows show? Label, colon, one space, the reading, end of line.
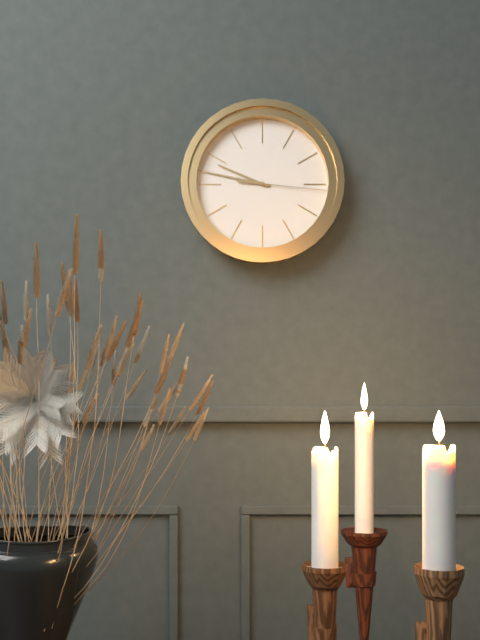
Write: 9:47:16
